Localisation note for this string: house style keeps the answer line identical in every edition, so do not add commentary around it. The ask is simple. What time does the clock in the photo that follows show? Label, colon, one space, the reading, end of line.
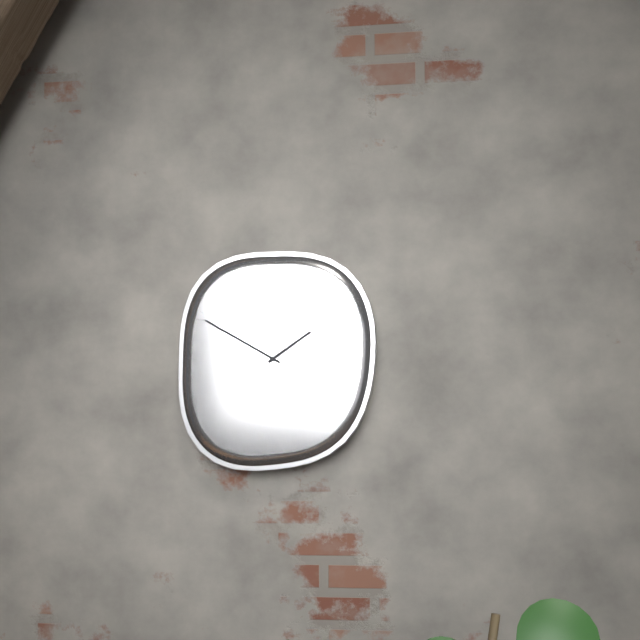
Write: 1:50
